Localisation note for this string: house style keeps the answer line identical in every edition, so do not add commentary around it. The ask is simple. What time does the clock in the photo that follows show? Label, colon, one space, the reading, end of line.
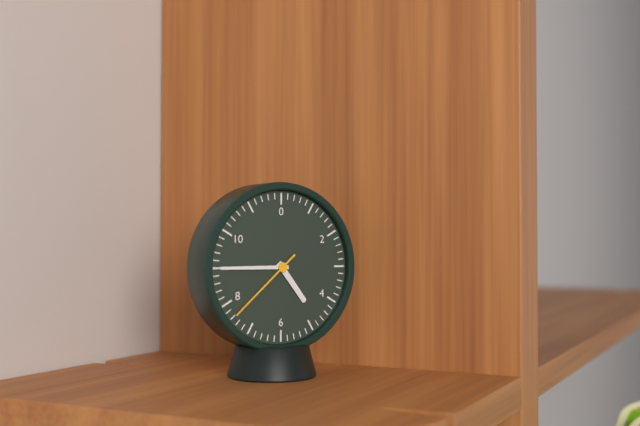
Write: 4:45:38
